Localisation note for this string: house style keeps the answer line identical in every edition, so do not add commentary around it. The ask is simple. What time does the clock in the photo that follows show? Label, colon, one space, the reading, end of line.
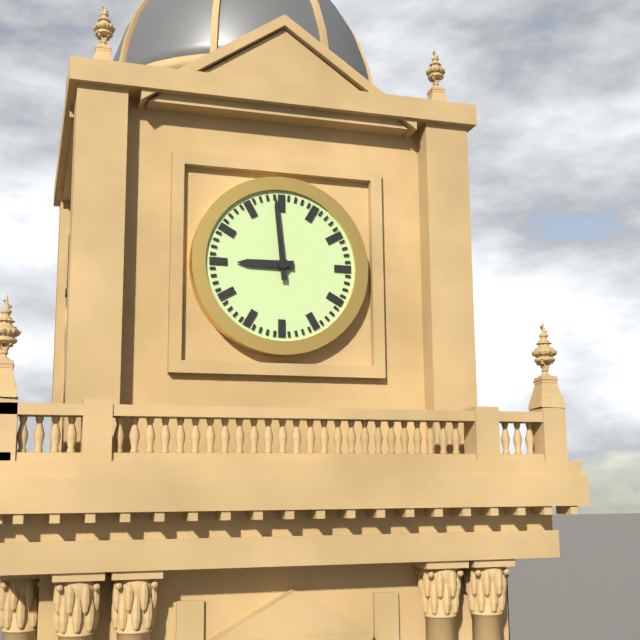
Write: 8:59
